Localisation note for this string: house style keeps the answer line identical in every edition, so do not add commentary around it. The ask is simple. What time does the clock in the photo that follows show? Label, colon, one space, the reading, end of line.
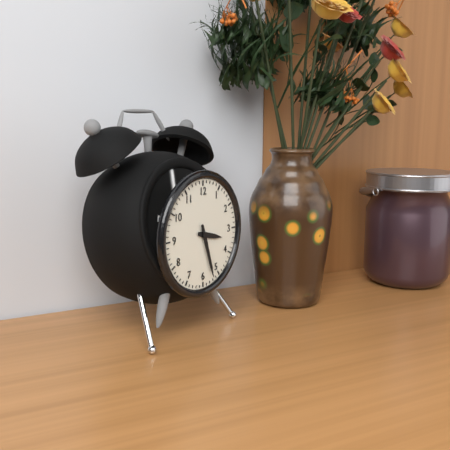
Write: 3:27
